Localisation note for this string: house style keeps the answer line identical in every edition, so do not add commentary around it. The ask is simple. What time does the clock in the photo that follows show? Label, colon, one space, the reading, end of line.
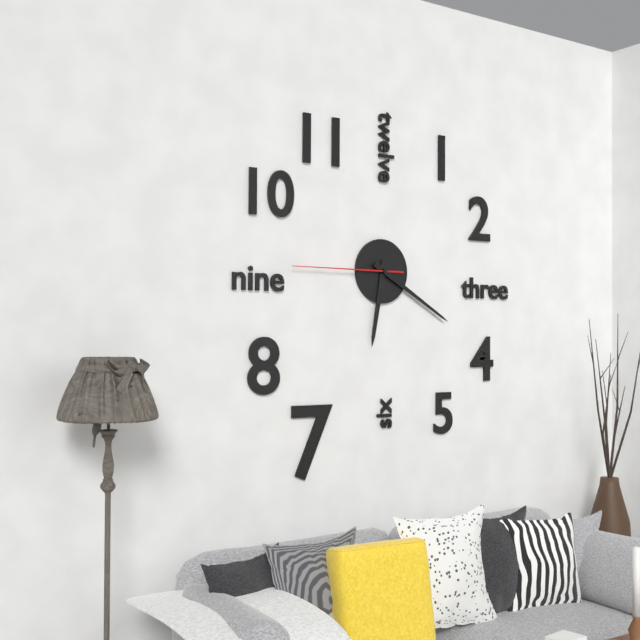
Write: 6:20:45
